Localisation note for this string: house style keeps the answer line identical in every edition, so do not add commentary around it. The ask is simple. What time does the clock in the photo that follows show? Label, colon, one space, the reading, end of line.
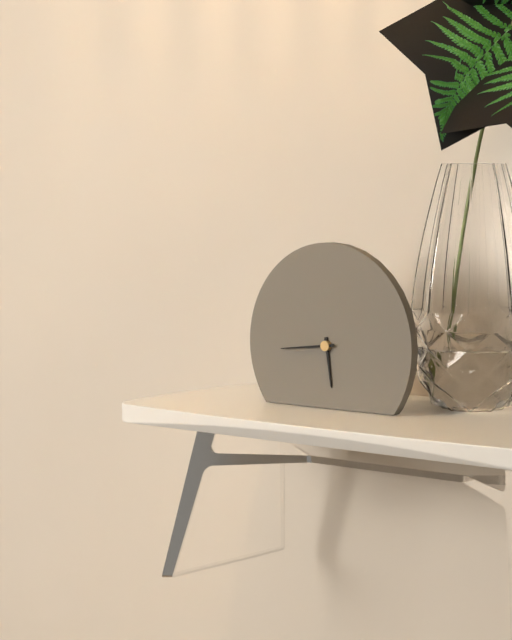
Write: 5:44
